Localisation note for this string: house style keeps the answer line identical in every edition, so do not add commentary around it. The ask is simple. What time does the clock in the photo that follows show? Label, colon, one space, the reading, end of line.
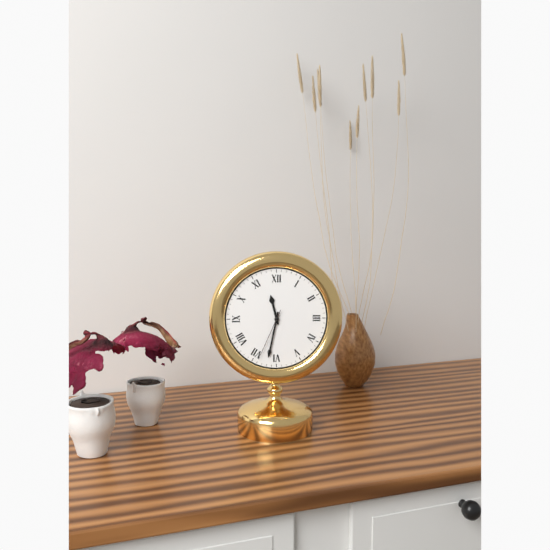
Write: 11:32:34
